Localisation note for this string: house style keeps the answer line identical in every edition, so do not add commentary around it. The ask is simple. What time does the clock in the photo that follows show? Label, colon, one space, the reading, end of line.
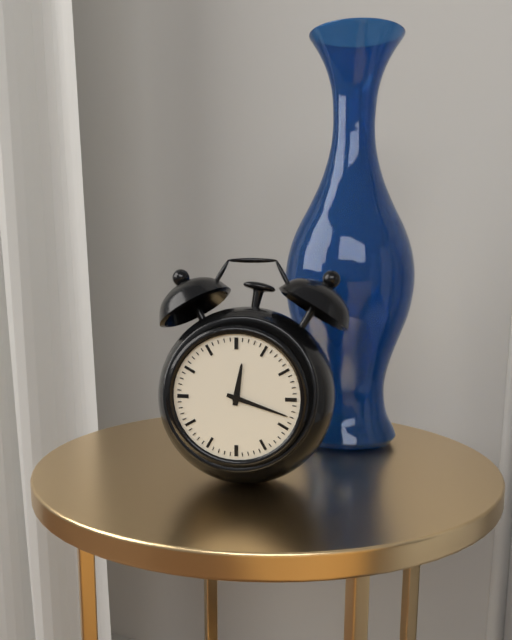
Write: 12:18
